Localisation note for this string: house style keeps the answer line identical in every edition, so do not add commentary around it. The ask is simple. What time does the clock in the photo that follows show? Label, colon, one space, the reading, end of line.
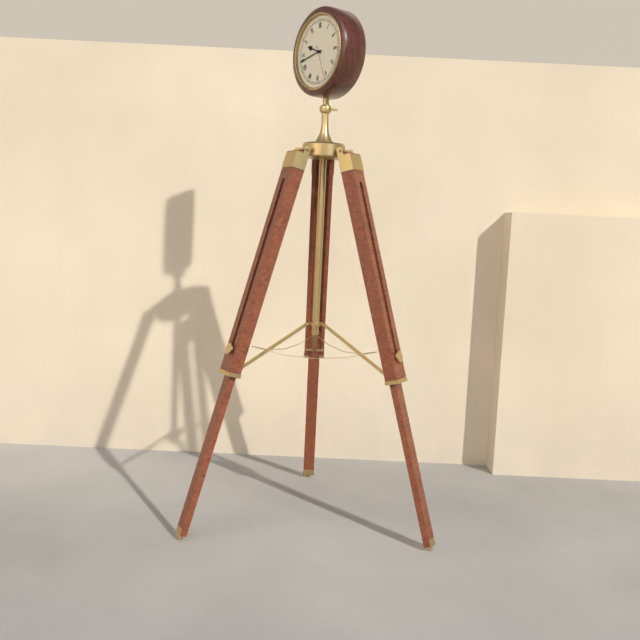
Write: 9:43
